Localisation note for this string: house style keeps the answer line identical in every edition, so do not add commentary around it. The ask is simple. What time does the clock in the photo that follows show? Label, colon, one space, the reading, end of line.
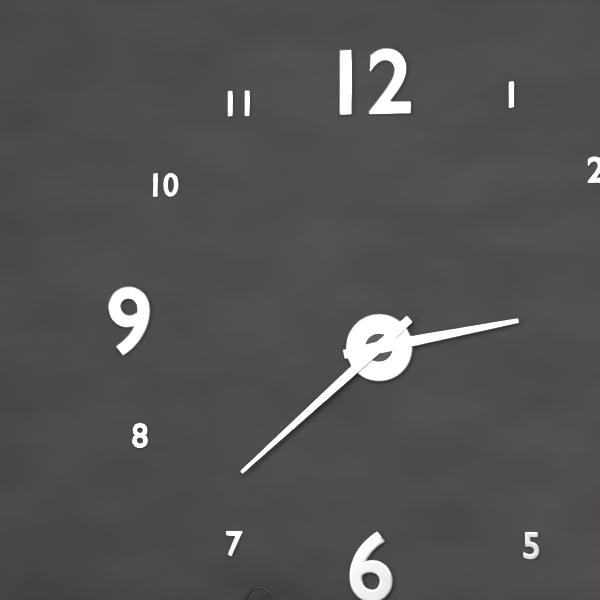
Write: 2:38
